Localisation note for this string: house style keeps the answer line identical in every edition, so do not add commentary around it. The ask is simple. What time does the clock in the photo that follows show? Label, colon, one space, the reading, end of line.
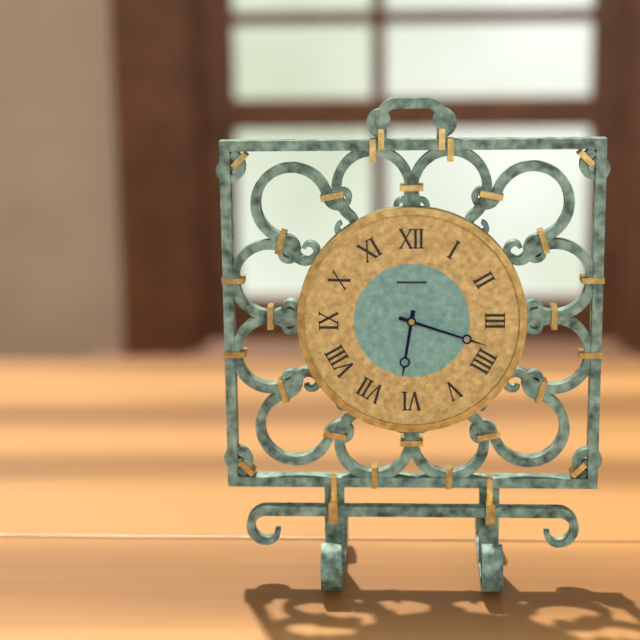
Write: 6:18
